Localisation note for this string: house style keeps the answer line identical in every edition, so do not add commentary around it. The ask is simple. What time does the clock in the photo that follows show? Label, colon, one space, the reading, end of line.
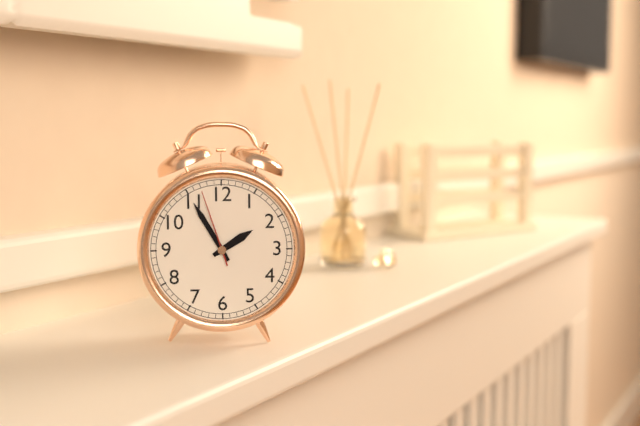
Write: 1:55:57
